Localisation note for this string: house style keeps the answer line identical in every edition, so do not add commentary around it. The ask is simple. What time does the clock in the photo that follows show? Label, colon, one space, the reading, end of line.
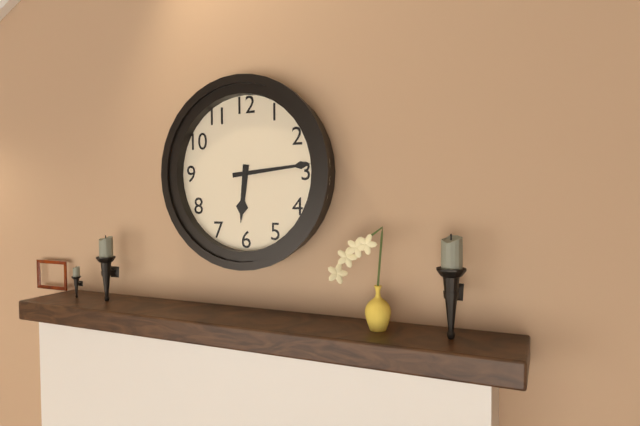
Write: 6:14
